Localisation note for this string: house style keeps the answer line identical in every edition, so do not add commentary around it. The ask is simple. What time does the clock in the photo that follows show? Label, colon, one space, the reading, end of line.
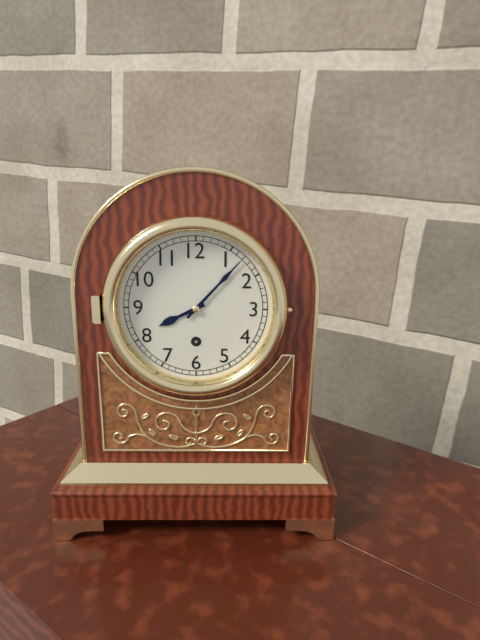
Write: 8:07
